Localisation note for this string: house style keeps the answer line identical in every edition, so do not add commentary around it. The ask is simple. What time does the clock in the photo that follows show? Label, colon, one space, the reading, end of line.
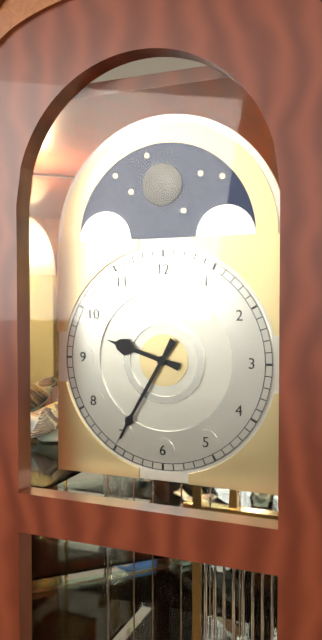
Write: 9:35
